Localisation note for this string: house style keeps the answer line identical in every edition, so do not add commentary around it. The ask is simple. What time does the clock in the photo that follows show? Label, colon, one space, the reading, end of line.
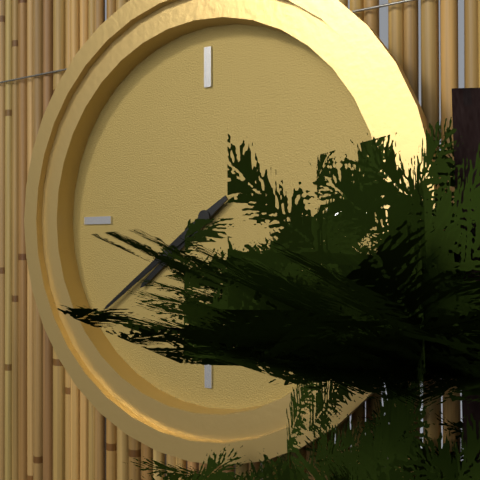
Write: 7:39
